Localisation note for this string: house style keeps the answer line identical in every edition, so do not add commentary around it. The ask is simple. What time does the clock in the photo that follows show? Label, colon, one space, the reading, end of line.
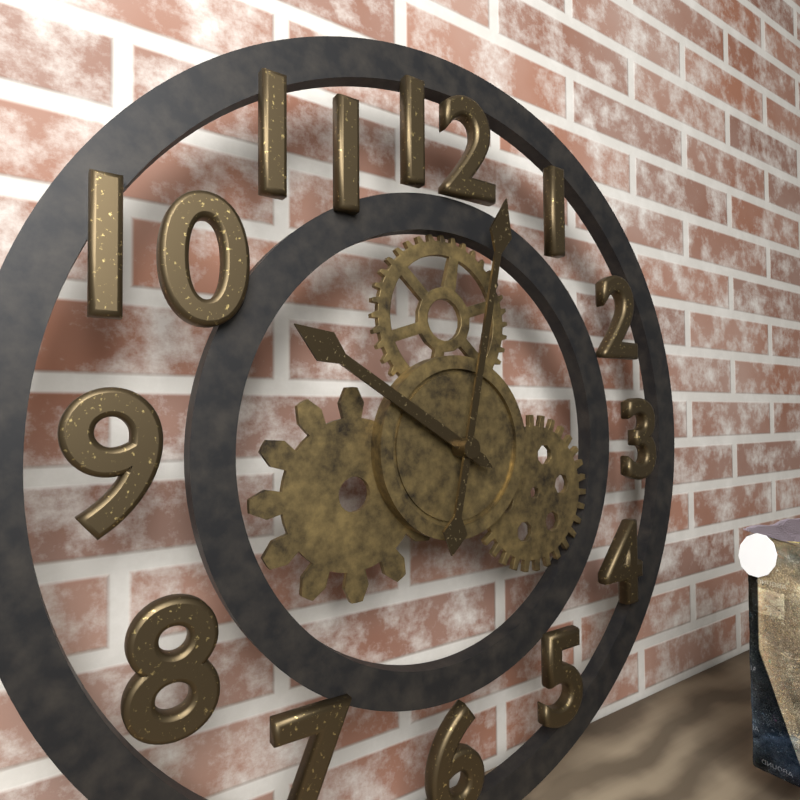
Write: 10:02
